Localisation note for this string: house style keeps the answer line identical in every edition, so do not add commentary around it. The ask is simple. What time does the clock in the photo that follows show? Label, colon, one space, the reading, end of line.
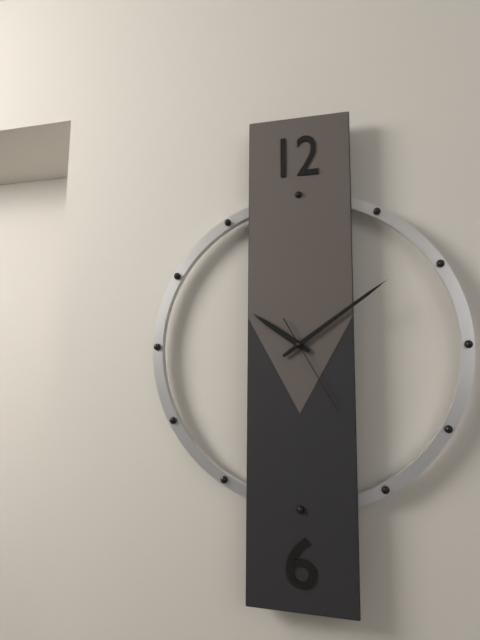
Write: 10:09:25
